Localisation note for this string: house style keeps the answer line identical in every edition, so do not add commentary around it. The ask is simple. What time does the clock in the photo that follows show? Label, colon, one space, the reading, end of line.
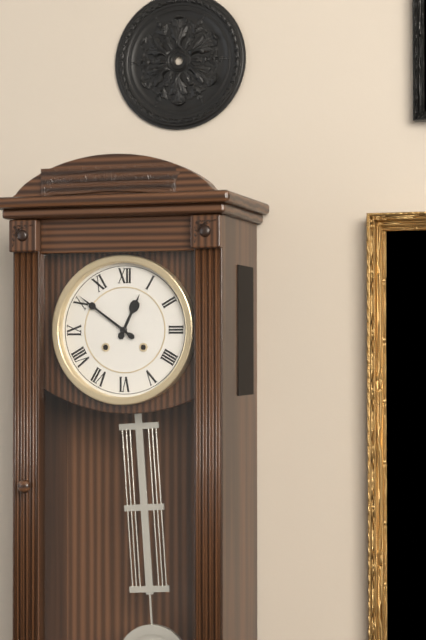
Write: 12:51
